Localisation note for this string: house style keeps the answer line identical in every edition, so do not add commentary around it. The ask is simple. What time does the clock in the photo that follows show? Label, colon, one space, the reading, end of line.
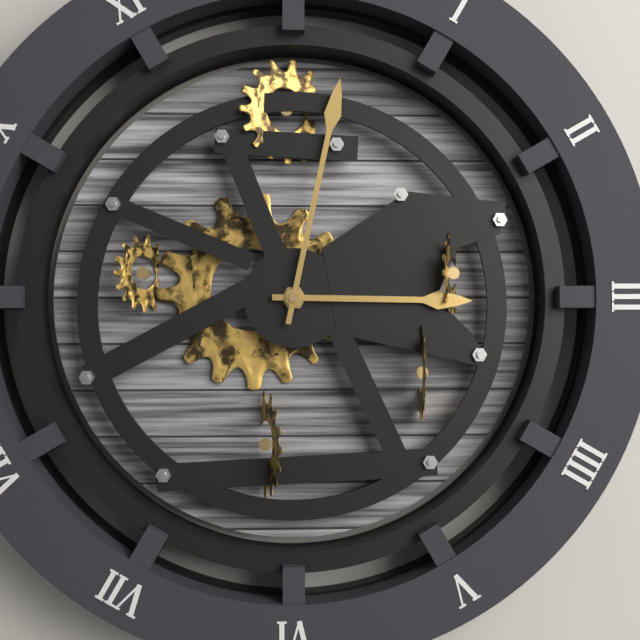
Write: 3:02
